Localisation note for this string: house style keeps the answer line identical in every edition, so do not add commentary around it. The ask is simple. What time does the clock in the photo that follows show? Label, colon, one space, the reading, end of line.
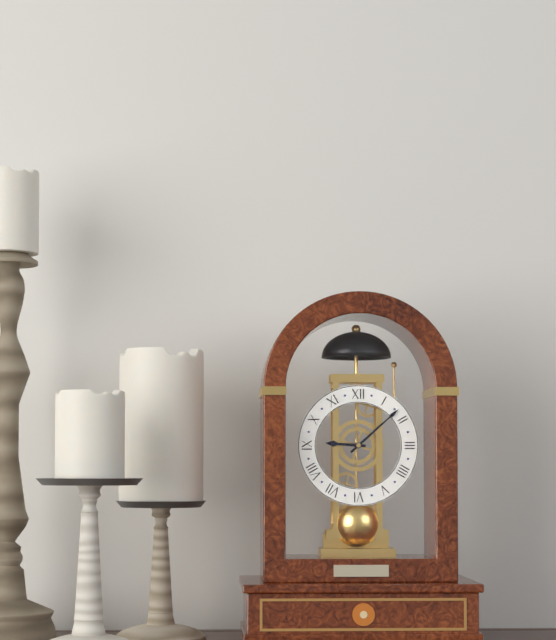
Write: 9:08
